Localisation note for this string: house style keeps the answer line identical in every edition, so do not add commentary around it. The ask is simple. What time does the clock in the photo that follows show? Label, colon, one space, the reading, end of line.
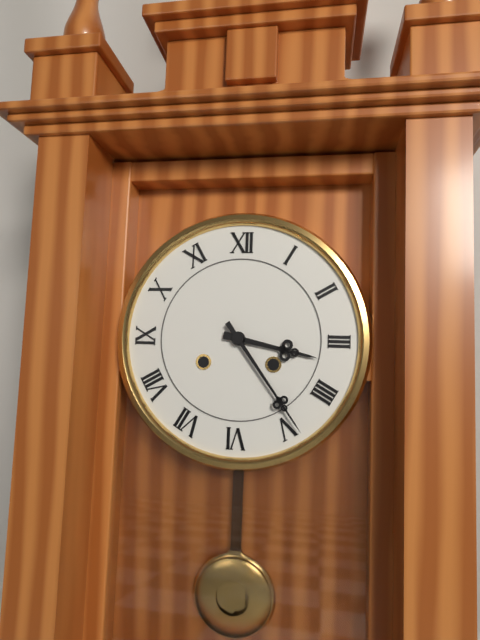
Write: 3:24
